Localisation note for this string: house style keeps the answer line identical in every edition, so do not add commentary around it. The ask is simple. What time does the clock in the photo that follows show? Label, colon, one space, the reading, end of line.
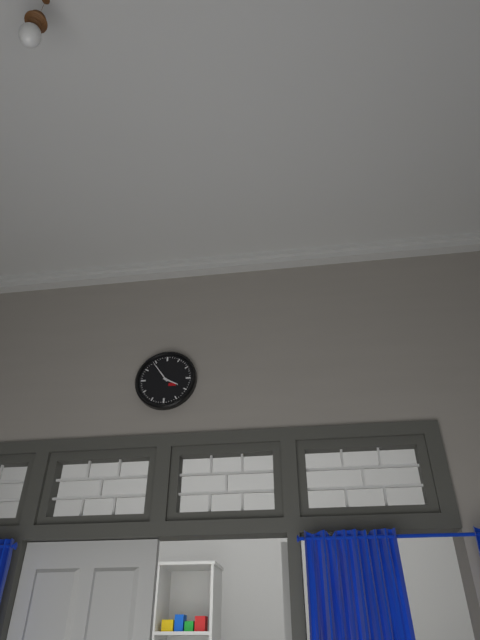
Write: 3:54
